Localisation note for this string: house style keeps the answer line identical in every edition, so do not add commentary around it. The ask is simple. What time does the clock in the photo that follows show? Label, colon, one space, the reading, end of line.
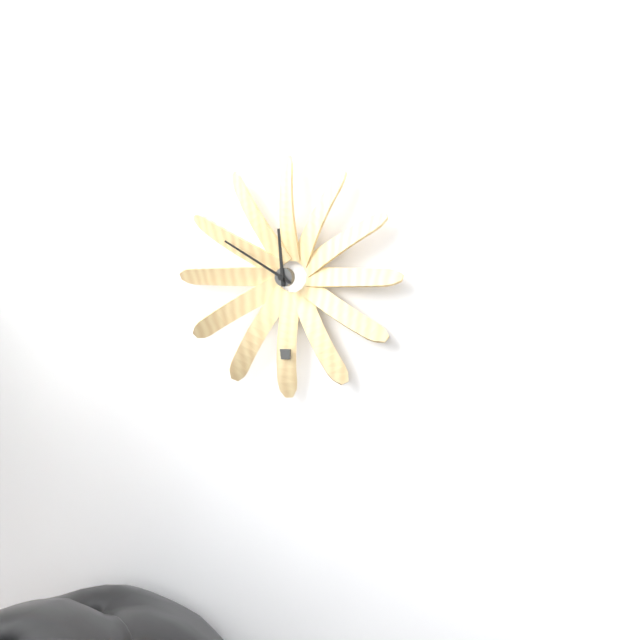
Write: 11:50
